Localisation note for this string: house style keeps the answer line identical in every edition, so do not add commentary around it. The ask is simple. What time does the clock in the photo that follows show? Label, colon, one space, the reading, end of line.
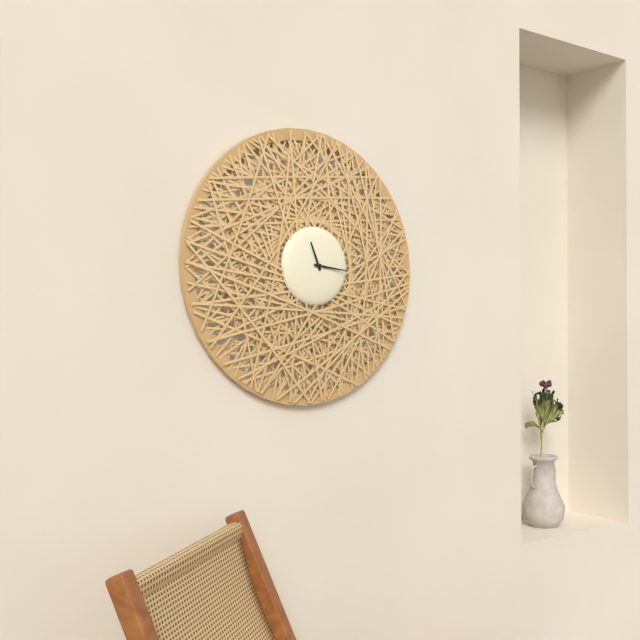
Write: 11:16
